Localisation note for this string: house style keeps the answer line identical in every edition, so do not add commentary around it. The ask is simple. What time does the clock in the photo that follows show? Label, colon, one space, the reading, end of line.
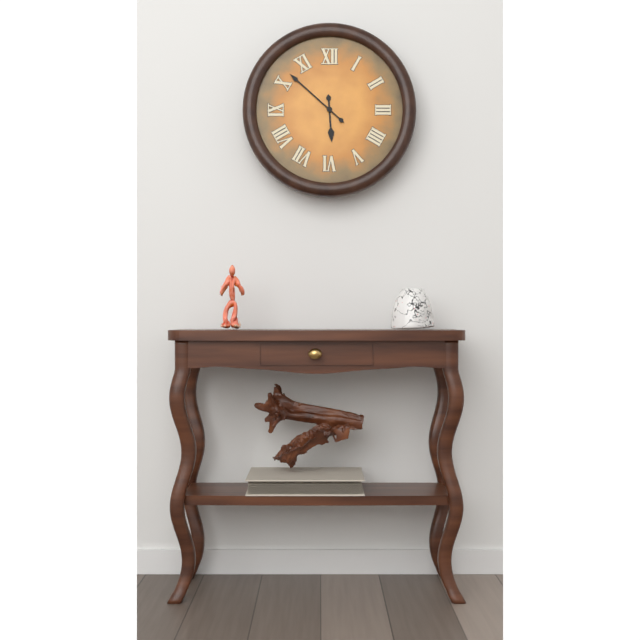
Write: 5:52
